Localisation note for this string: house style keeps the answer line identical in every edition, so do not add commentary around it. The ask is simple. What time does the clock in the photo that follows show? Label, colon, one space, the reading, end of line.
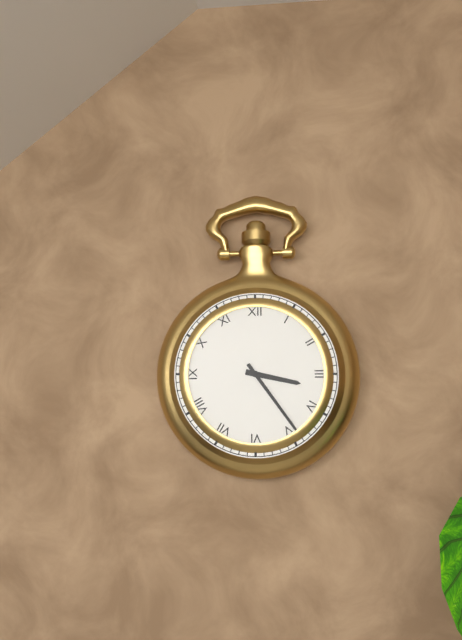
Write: 3:24
